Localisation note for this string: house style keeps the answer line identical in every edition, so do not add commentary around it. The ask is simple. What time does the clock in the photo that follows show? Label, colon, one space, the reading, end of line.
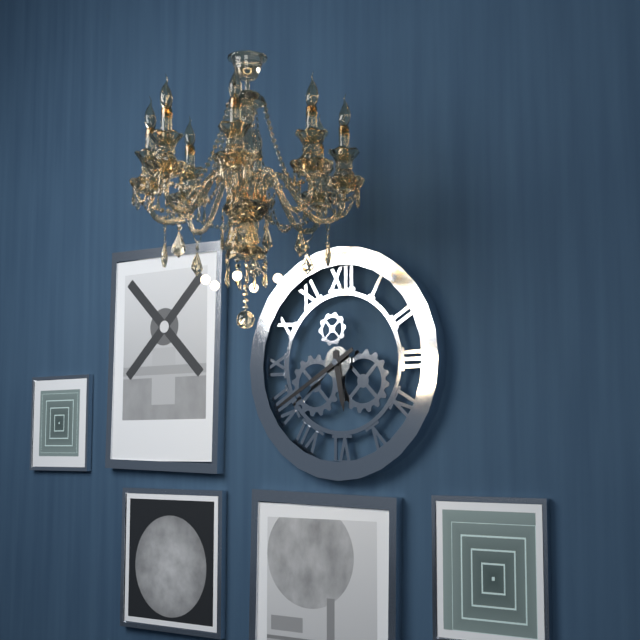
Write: 5:40
